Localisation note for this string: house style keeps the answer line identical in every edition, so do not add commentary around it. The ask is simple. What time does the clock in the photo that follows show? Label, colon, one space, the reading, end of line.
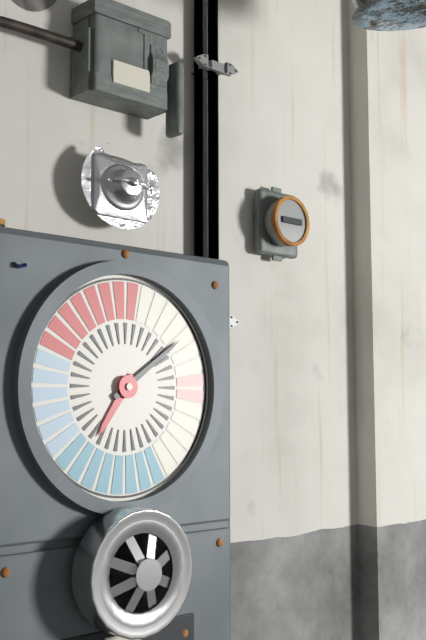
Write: 7:09
